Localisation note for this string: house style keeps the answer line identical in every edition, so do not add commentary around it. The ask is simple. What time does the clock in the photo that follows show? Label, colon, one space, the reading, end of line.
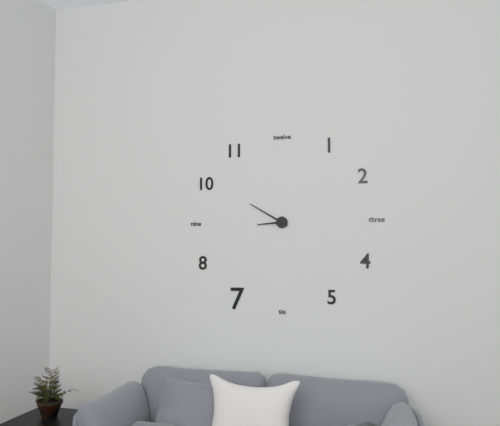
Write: 8:50
